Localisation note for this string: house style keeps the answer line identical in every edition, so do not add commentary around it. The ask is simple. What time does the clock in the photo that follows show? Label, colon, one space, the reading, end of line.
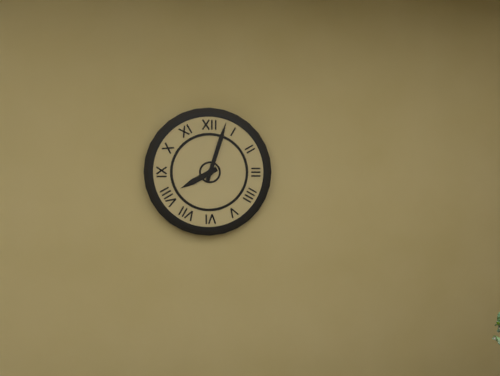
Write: 8:03
